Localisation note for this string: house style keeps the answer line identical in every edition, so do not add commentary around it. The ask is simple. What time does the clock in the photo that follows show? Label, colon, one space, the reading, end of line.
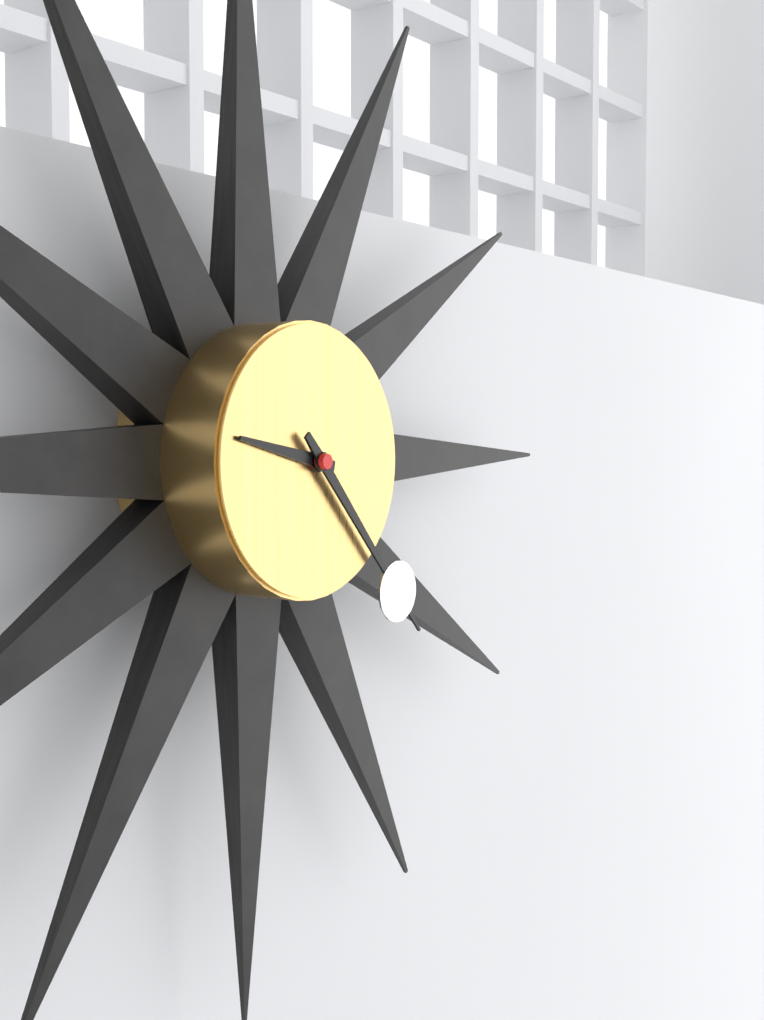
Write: 9:23
